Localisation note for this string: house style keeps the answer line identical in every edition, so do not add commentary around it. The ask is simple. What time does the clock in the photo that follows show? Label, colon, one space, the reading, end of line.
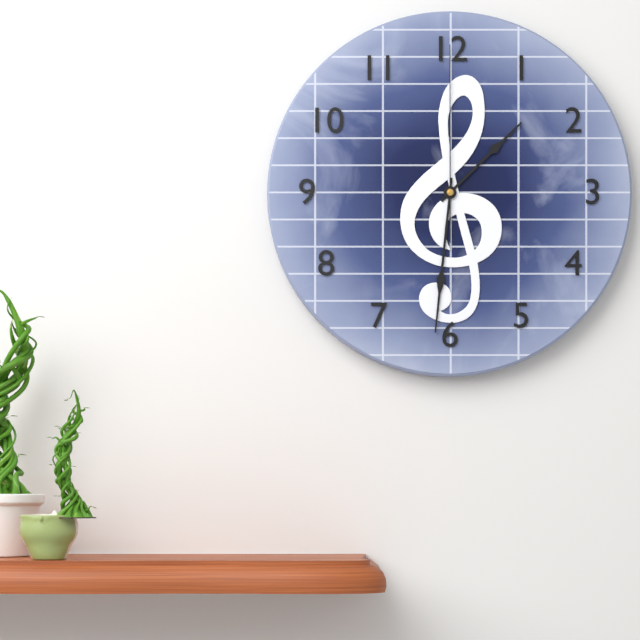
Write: 1:31:00
